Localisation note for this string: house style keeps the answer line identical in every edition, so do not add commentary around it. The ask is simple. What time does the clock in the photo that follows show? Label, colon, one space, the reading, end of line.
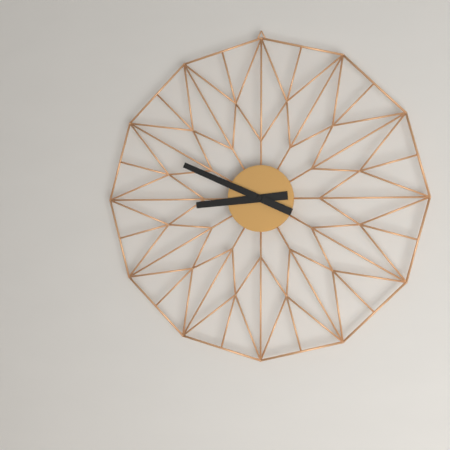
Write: 8:49
